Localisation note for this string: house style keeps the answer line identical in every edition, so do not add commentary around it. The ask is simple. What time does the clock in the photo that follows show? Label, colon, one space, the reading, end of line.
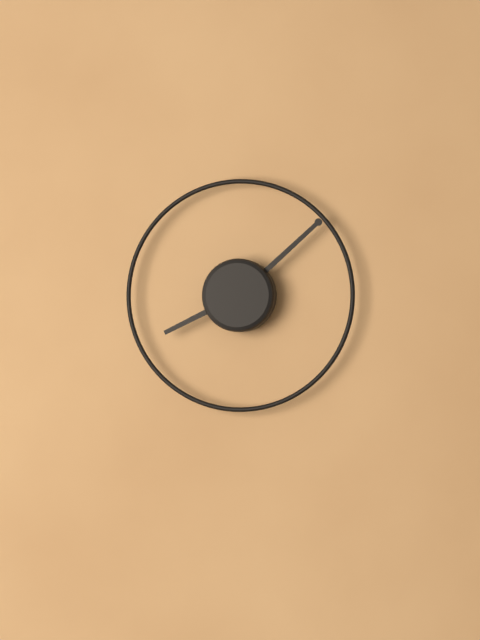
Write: 8:08
